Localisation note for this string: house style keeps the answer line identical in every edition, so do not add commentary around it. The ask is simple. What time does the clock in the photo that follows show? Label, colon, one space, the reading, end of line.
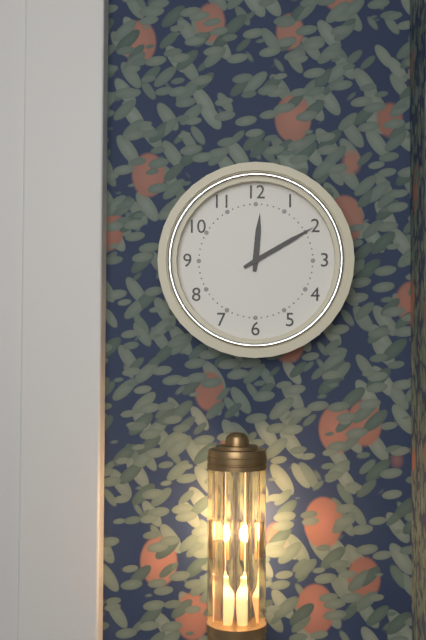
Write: 12:10
